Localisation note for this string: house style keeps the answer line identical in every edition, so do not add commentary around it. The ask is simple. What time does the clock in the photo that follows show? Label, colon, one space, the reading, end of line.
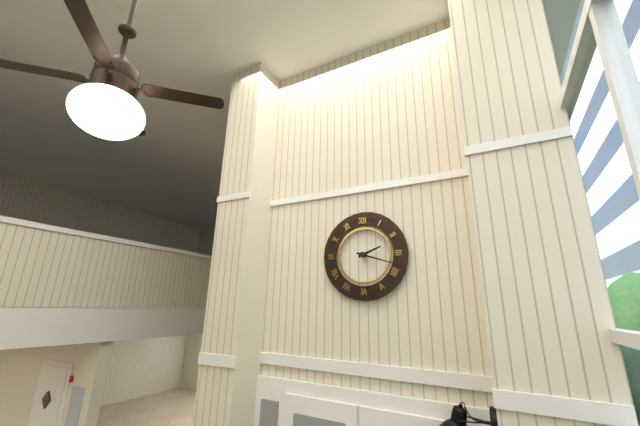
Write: 2:18
